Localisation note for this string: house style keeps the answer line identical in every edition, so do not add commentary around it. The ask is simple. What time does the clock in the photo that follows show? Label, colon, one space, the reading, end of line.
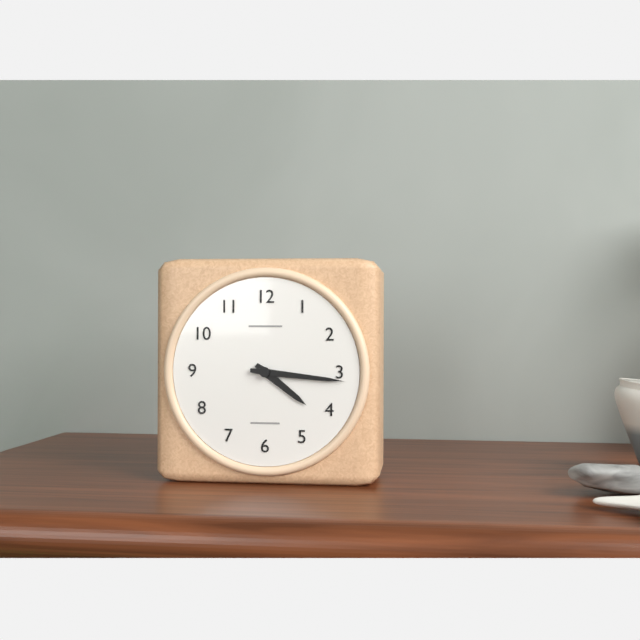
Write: 4:16
